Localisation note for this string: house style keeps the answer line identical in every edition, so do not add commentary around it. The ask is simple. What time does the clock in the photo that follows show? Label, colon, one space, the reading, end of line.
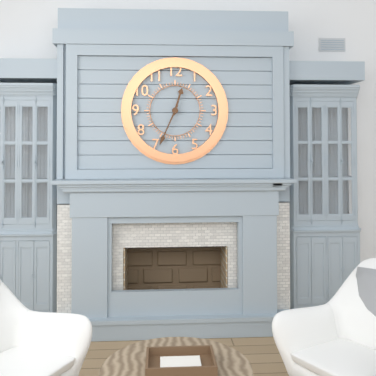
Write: 12:34
